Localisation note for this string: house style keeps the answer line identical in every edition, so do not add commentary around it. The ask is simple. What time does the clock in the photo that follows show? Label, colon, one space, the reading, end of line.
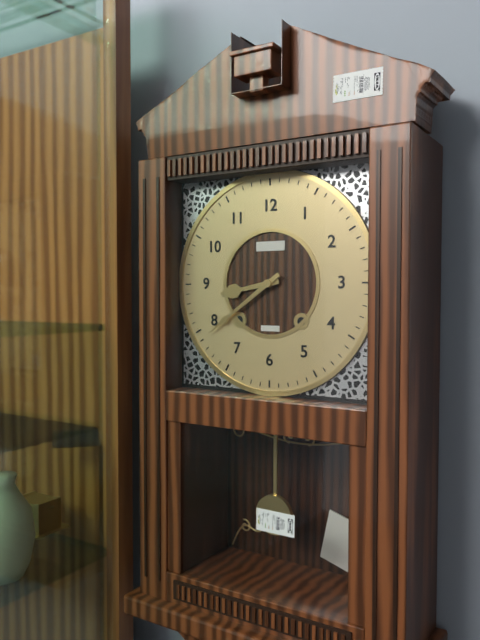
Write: 8:39
